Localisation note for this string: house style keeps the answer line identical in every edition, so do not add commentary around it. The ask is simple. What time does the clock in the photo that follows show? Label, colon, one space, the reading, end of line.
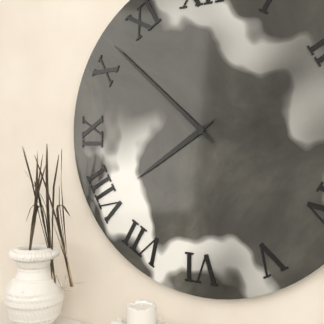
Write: 7:52
